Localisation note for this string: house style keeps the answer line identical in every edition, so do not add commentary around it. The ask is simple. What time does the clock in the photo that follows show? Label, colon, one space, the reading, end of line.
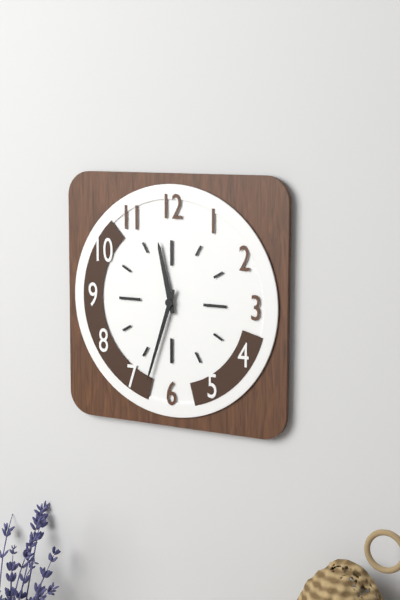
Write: 11:33
